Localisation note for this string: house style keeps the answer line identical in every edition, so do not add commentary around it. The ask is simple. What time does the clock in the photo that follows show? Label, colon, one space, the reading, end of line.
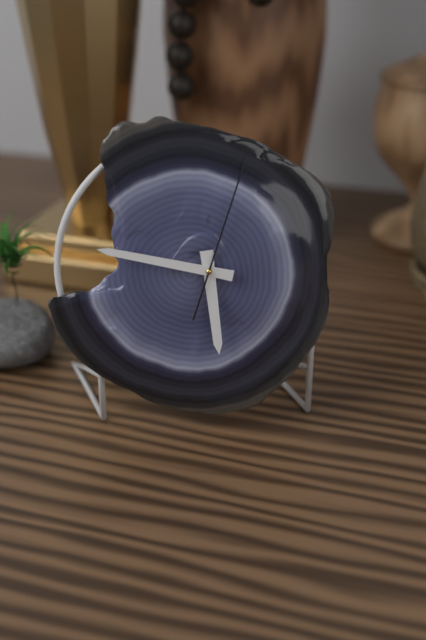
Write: 5:47:03
